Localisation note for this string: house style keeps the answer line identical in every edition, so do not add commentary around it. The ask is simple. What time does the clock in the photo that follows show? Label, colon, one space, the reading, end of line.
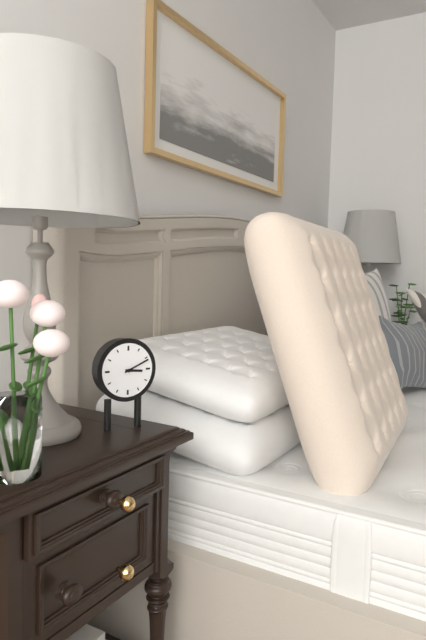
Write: 3:11
